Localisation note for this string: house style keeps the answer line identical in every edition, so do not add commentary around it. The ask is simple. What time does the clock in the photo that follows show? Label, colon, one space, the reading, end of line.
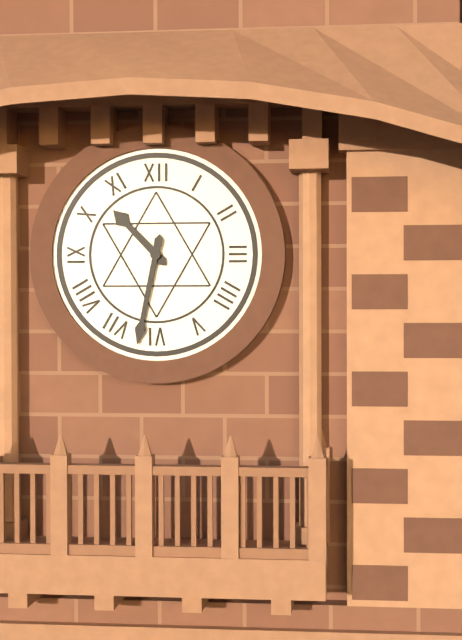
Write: 10:32
